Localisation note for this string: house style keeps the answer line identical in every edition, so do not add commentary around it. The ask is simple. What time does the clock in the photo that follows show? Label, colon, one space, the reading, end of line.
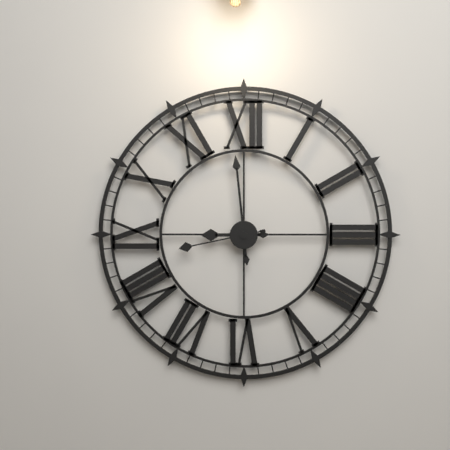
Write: 8:59:43
